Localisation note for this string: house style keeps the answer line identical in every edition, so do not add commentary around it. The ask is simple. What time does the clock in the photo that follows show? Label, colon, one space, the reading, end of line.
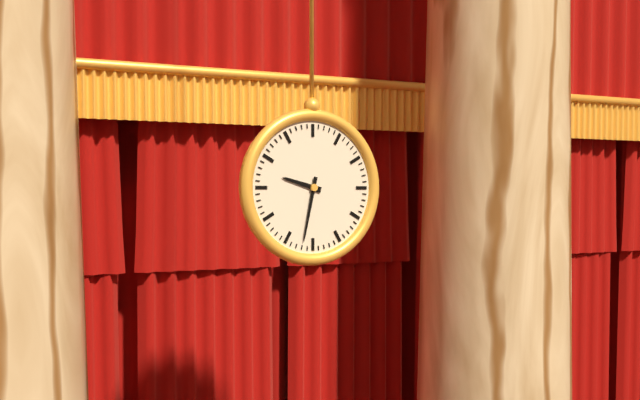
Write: 9:32
